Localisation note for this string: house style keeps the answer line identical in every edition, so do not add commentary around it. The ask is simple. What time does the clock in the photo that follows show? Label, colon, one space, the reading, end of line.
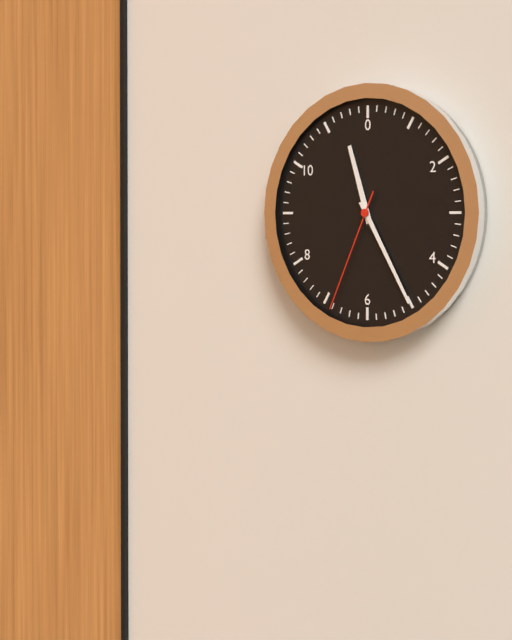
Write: 11:25:34
